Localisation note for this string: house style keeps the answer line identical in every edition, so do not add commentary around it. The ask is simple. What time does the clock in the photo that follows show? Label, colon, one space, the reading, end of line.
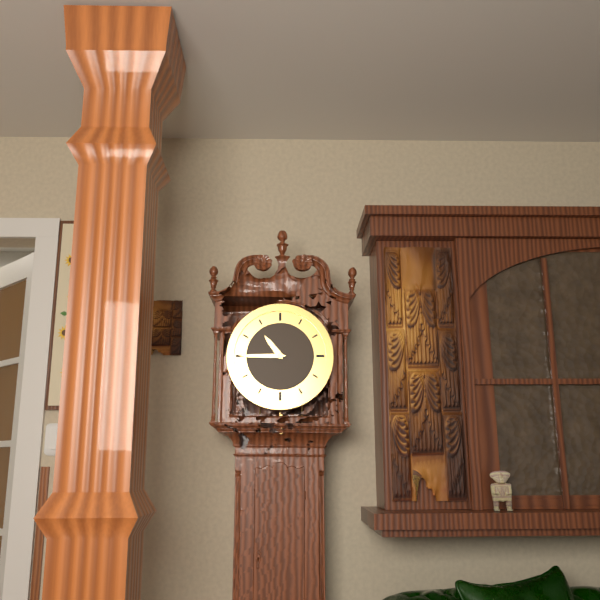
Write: 10:45
